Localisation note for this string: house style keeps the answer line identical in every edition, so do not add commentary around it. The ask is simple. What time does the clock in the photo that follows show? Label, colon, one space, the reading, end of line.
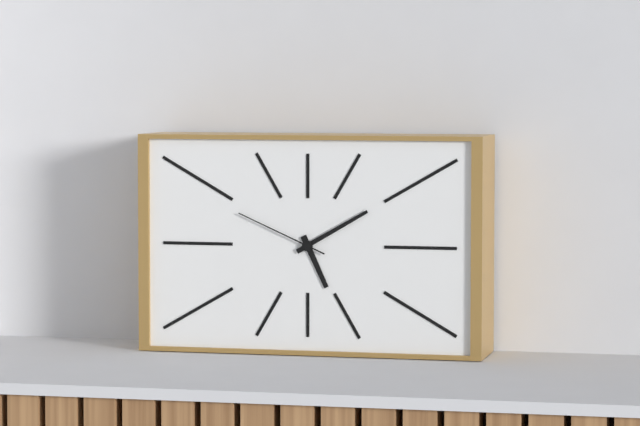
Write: 5:10:49
